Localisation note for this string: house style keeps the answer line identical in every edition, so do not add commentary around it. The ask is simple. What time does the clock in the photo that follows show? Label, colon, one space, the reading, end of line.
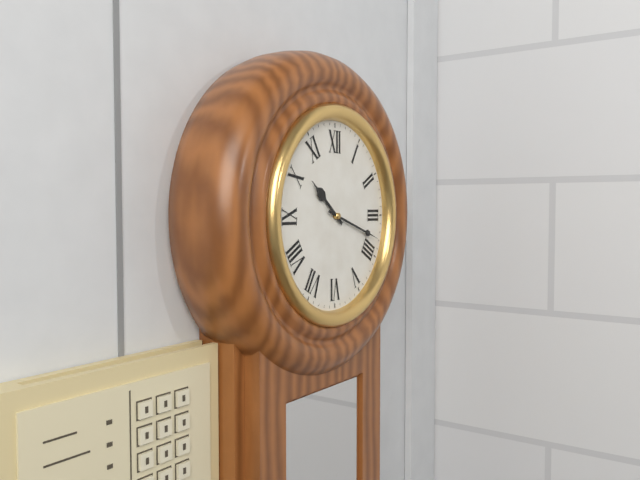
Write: 10:18
